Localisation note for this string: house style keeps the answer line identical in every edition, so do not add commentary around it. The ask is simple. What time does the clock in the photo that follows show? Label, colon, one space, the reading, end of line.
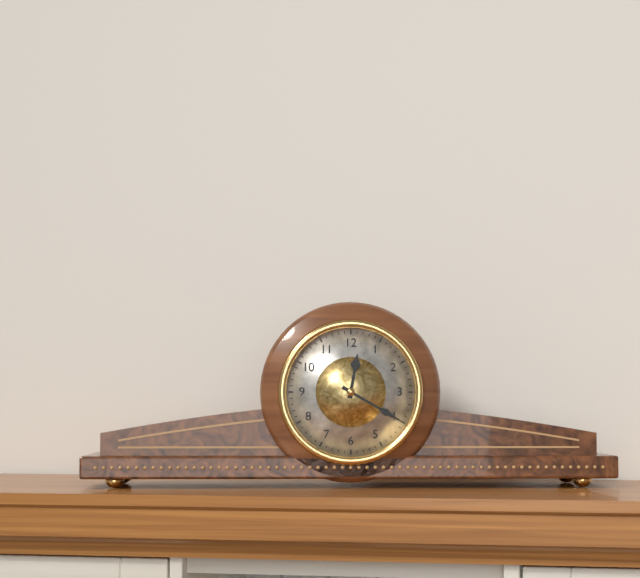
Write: 12:20
